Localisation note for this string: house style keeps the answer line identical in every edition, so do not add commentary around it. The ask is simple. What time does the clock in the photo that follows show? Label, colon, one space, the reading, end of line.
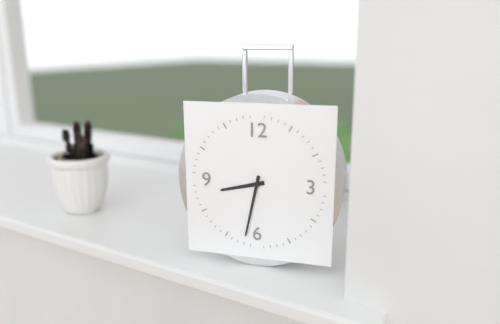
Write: 8:32
